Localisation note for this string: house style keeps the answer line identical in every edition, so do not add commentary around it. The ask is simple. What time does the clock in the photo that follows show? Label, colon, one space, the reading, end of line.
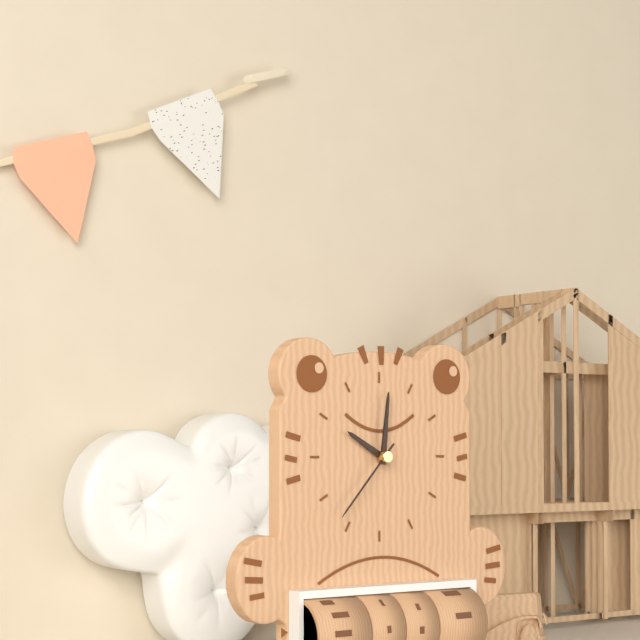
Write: 10:01:37
